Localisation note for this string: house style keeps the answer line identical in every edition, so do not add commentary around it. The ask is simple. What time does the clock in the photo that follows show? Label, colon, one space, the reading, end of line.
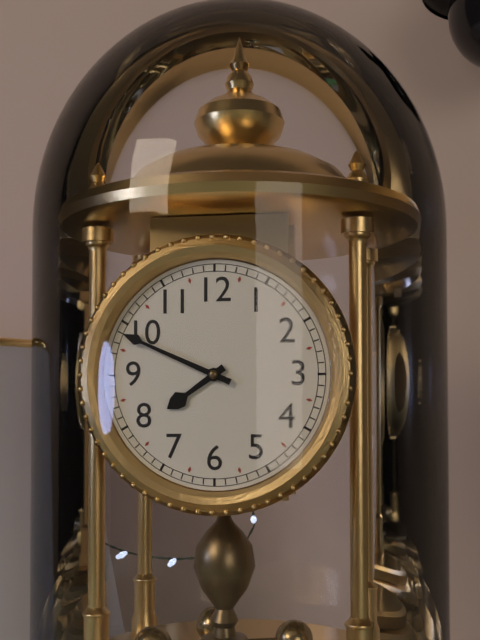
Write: 7:49
